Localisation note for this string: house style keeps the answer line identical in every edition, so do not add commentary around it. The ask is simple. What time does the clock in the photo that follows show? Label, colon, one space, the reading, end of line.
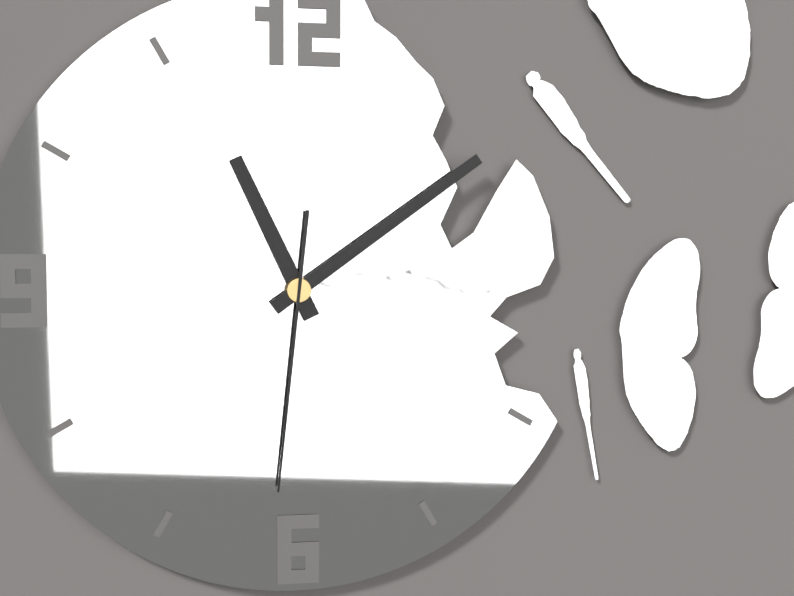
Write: 11:09:31
